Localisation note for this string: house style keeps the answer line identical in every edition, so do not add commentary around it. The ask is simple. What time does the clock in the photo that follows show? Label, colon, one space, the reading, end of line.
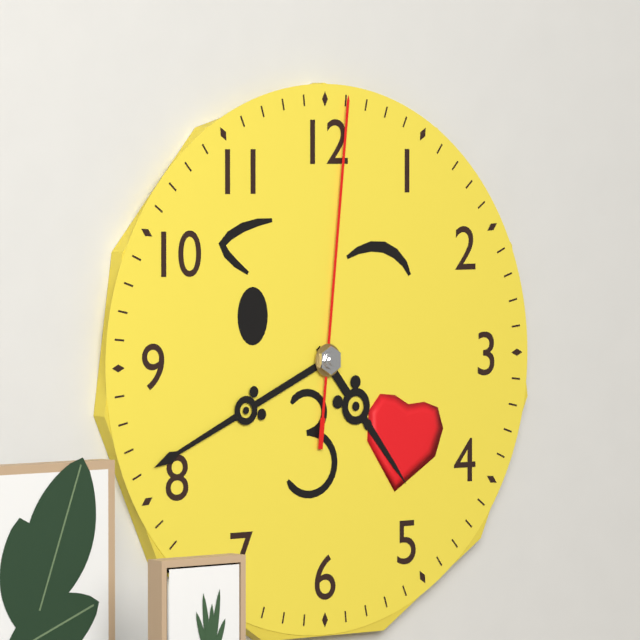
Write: 4:41:01
